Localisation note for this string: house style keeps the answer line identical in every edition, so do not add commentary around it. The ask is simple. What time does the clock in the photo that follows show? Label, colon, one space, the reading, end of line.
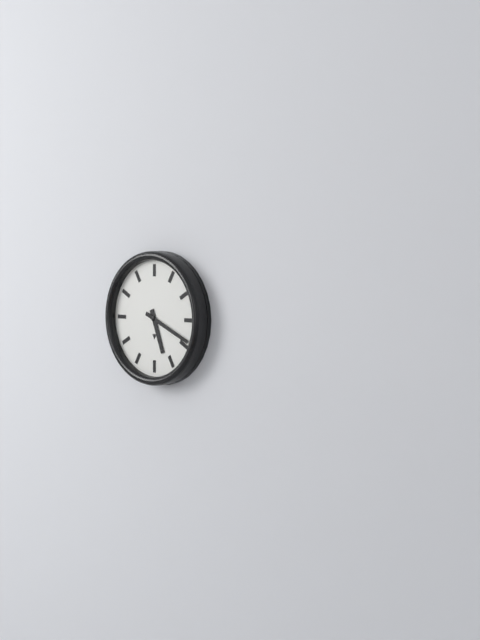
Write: 5:19
